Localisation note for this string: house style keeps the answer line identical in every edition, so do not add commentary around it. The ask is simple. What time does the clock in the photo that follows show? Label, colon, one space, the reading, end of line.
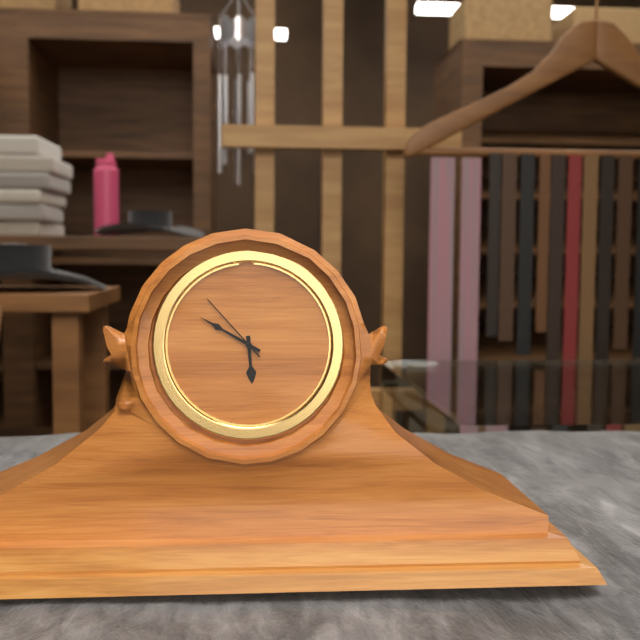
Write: 5:50:53
